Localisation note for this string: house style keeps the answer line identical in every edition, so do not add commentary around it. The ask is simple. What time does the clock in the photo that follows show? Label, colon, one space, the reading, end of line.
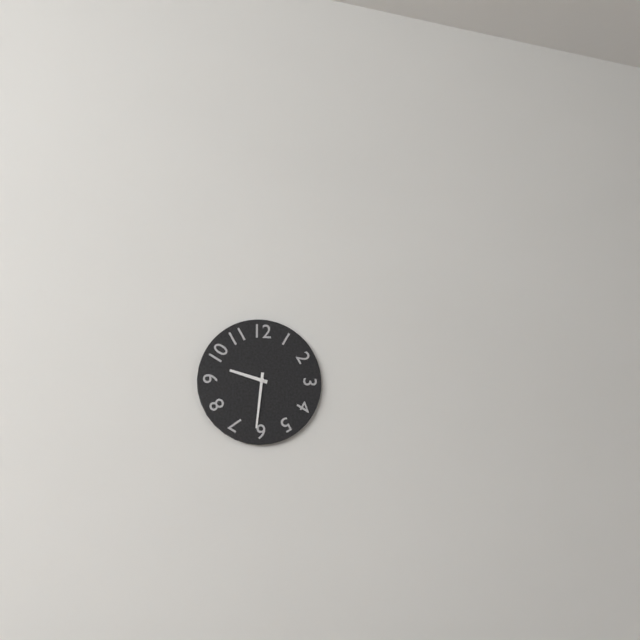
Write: 9:31
